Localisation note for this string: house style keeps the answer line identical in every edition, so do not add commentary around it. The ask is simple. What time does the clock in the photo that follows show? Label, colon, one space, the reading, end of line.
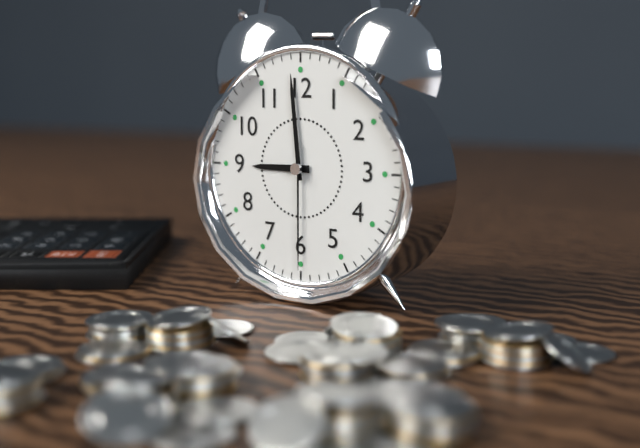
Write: 8:59:30
